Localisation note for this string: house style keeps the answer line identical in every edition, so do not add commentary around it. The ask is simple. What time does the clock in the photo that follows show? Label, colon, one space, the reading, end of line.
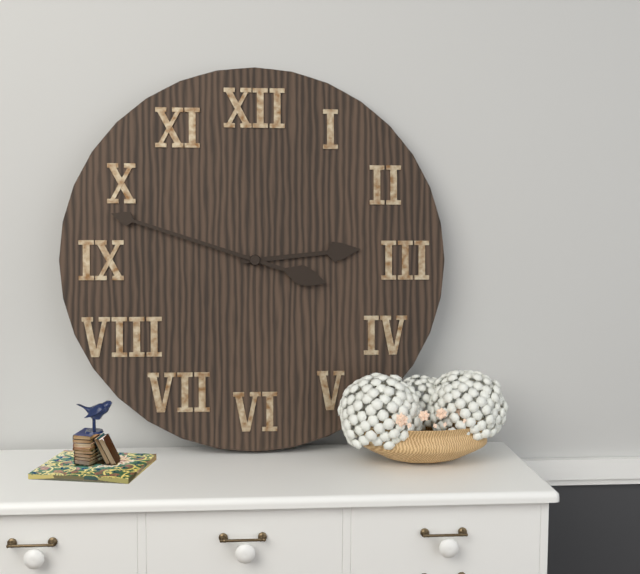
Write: 2:48
